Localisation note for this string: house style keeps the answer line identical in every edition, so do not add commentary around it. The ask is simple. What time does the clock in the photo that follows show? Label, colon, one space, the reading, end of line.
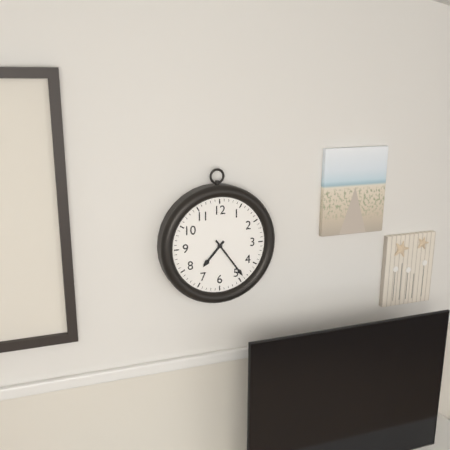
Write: 7:24
